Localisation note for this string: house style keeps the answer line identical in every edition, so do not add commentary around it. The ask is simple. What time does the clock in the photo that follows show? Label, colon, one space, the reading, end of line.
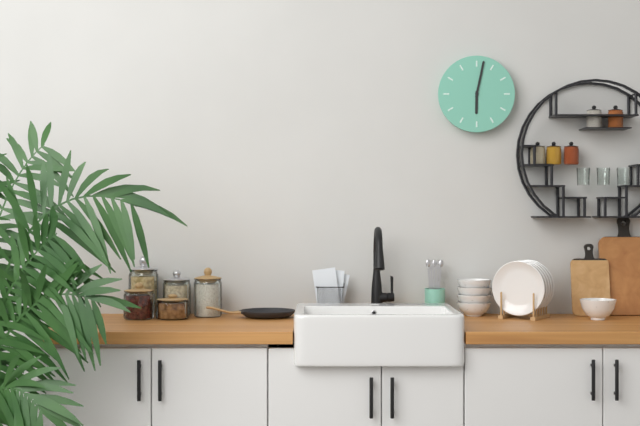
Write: 6:02
